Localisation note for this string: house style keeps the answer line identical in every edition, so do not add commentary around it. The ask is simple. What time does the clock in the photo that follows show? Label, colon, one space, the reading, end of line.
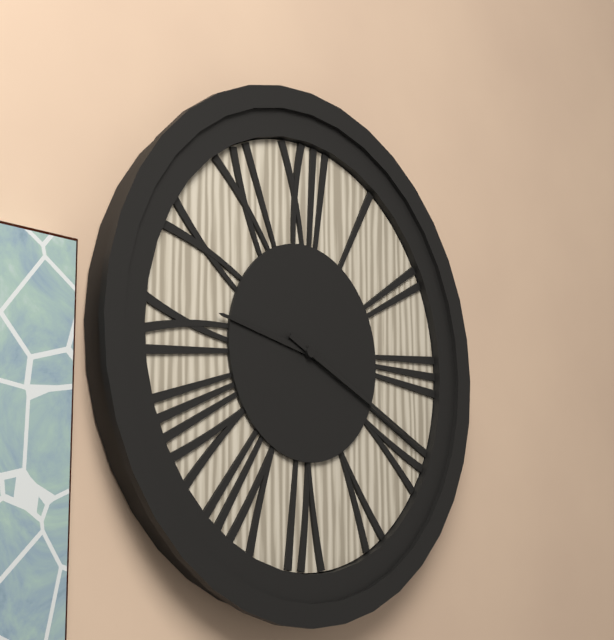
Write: 9:19
